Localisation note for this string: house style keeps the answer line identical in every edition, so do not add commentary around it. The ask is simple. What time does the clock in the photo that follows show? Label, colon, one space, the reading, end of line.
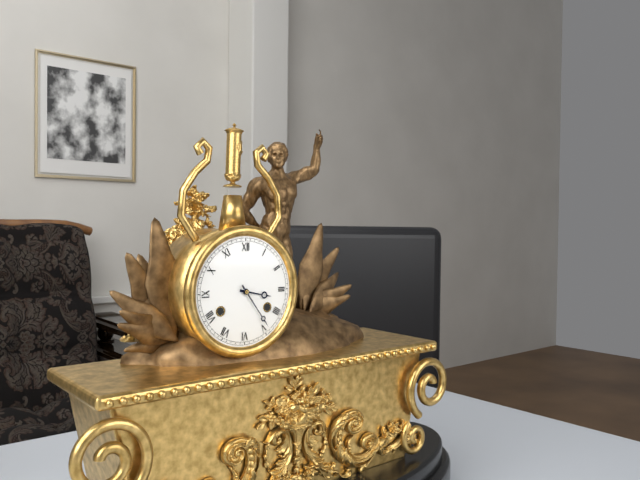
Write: 3:24
